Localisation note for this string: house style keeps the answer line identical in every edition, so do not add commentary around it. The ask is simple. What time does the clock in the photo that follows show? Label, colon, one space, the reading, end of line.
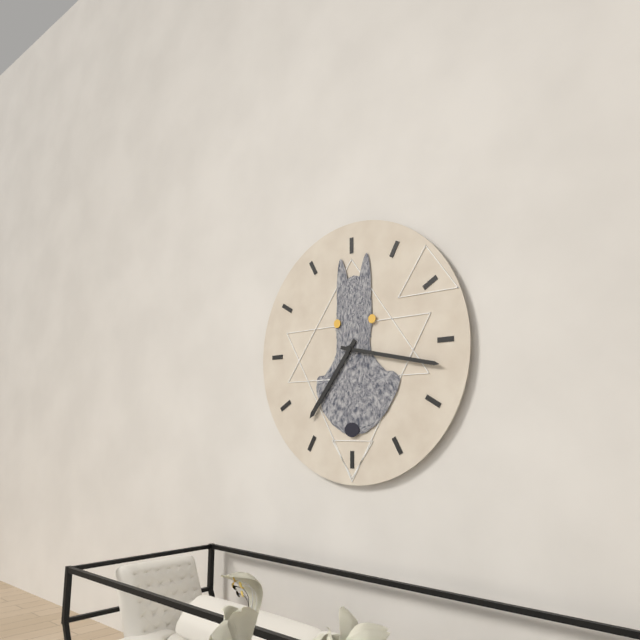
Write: 7:17
